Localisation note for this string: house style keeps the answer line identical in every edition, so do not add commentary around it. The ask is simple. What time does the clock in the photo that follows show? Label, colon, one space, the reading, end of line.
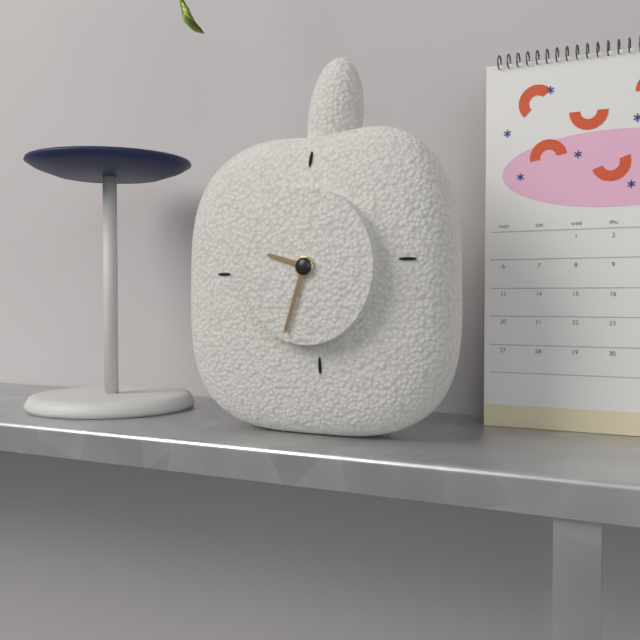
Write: 9:33
